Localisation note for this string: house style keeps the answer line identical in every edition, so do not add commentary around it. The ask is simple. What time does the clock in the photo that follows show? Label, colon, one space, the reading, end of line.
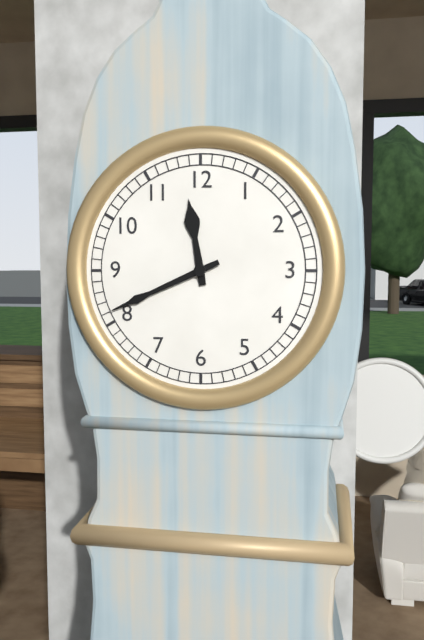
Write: 11:41
